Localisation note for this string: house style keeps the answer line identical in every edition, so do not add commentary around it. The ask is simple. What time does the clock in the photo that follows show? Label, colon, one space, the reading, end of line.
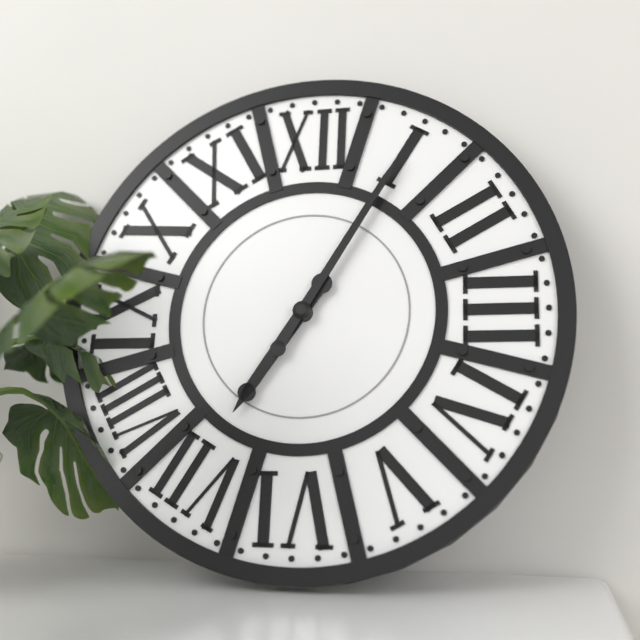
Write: 7:05
